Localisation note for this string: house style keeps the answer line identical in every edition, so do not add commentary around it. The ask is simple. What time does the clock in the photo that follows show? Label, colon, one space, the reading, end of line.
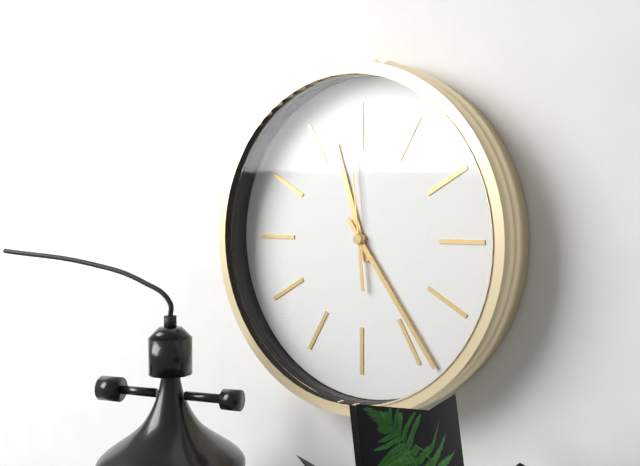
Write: 11:24:59
